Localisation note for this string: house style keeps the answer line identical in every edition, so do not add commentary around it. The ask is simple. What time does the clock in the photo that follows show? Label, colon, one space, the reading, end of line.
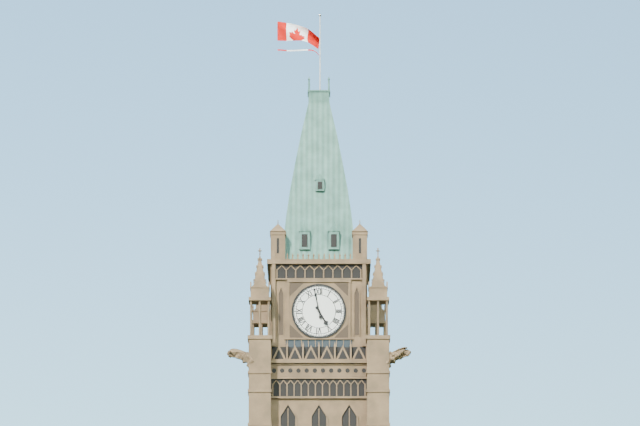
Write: 4:58
